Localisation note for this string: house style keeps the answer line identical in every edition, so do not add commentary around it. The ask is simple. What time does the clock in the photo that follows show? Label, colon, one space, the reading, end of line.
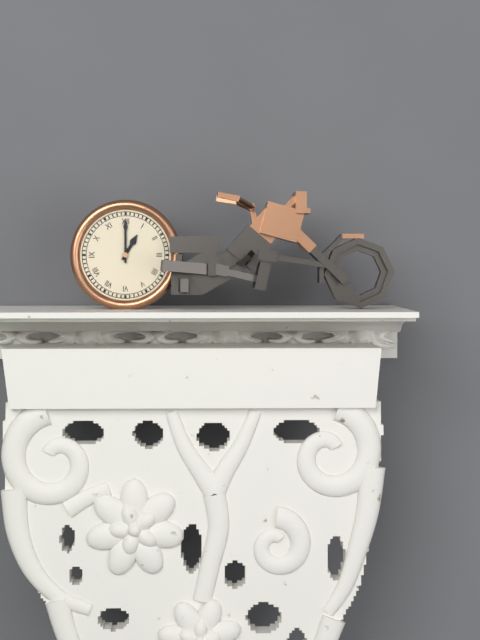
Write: 1:00
